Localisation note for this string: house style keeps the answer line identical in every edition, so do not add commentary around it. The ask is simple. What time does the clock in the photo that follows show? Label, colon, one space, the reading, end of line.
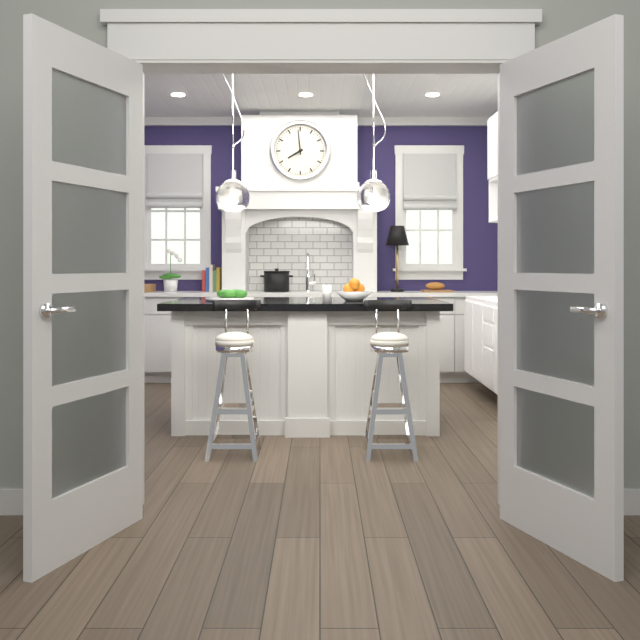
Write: 7:59
